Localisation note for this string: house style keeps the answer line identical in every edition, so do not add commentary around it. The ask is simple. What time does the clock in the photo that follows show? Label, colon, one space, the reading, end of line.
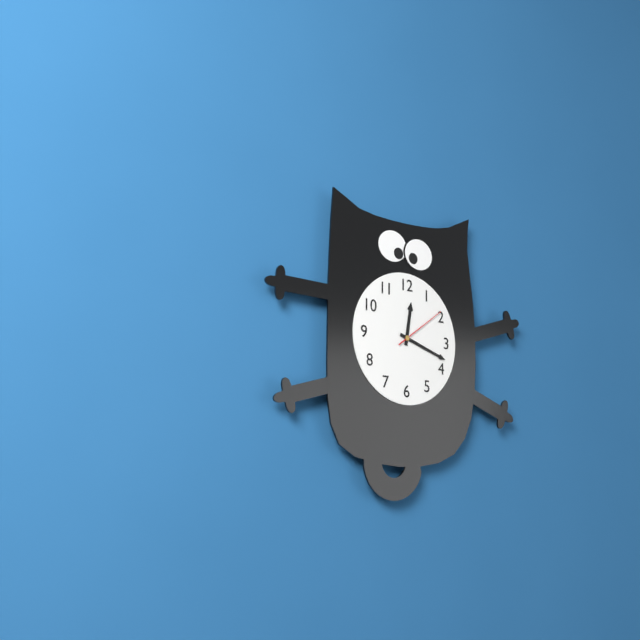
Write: 12:18:09
